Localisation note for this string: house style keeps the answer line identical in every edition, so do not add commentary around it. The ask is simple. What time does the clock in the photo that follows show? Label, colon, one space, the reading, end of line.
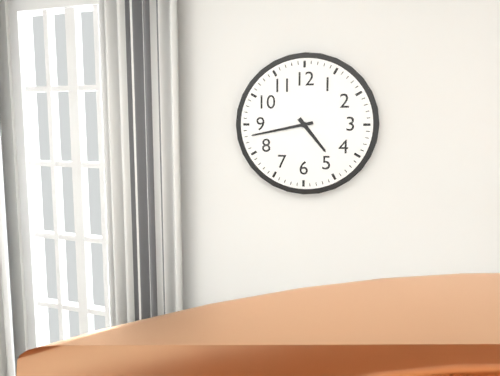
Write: 4:43
